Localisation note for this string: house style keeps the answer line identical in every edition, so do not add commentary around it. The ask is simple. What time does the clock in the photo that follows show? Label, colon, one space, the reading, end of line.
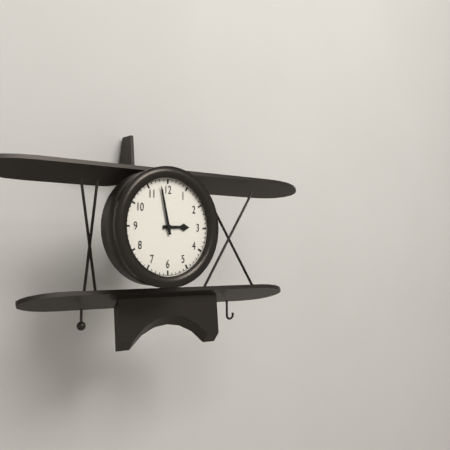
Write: 2:58
